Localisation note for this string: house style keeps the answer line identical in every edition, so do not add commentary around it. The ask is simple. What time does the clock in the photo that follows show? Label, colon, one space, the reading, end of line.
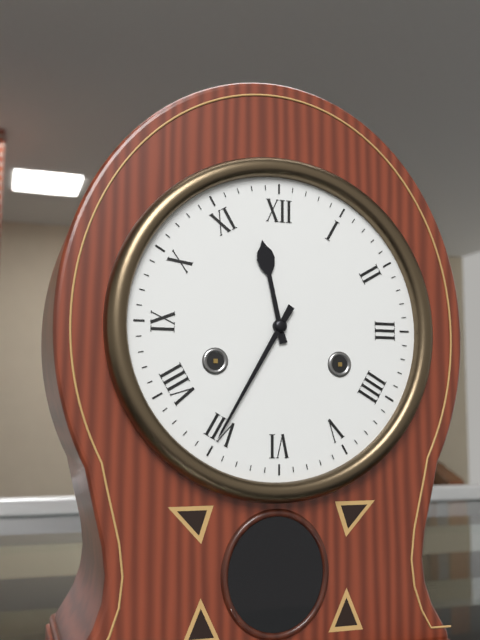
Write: 11:35
